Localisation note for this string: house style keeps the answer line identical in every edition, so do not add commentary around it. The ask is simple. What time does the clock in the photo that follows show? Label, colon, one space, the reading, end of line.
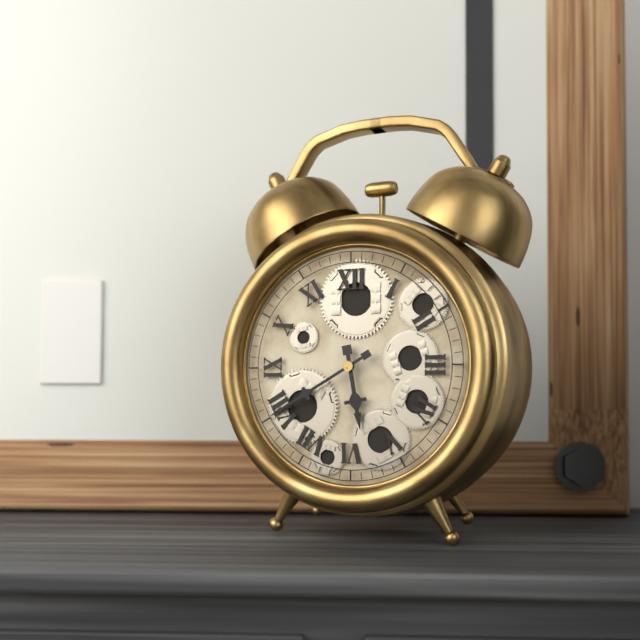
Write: 5:40
